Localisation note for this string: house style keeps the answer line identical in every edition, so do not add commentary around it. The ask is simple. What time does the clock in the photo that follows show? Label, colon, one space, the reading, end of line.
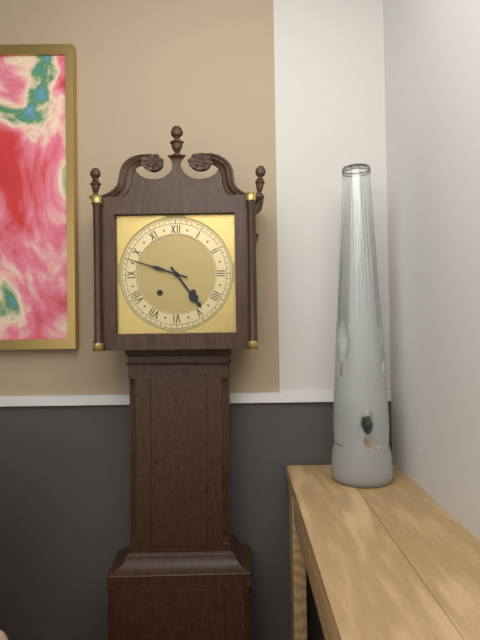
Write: 4:48
